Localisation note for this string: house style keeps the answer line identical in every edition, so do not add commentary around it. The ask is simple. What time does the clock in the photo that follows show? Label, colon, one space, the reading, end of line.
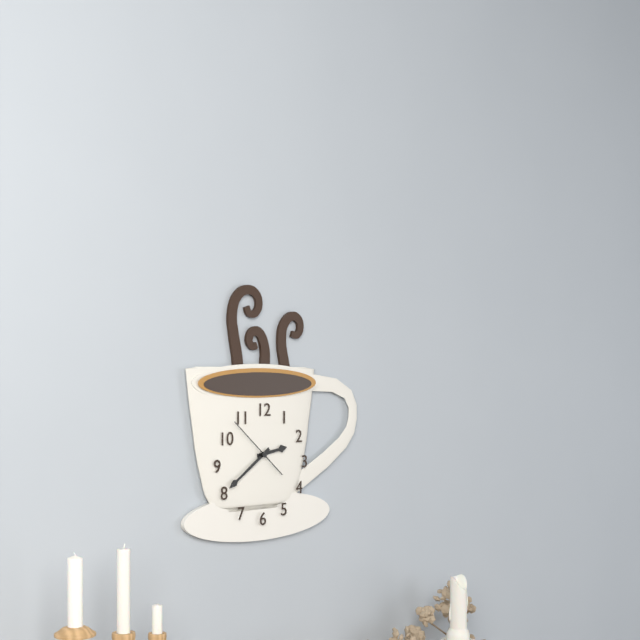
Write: 2:39:52
